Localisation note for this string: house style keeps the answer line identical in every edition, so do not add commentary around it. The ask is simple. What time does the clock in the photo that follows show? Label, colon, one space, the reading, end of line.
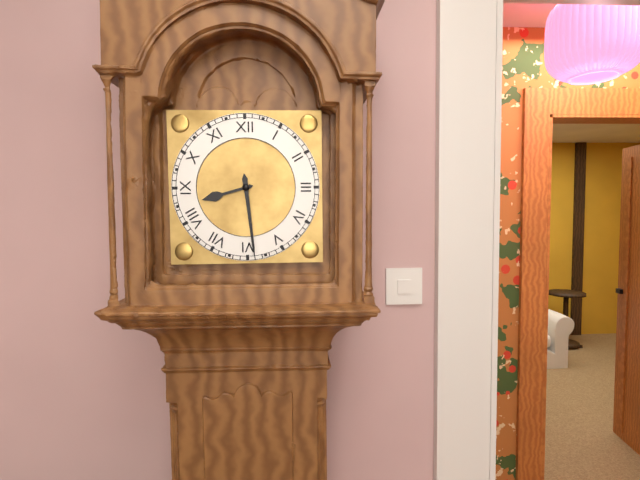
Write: 8:29
